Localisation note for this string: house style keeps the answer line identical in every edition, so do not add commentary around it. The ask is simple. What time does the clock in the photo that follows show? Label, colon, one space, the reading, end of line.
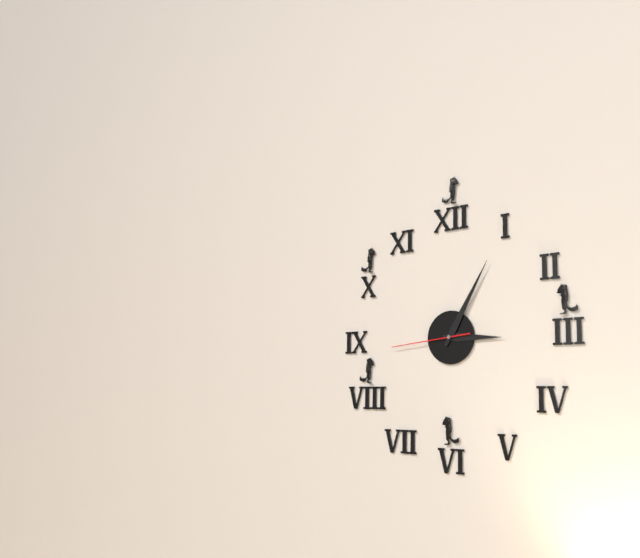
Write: 3:05:44
